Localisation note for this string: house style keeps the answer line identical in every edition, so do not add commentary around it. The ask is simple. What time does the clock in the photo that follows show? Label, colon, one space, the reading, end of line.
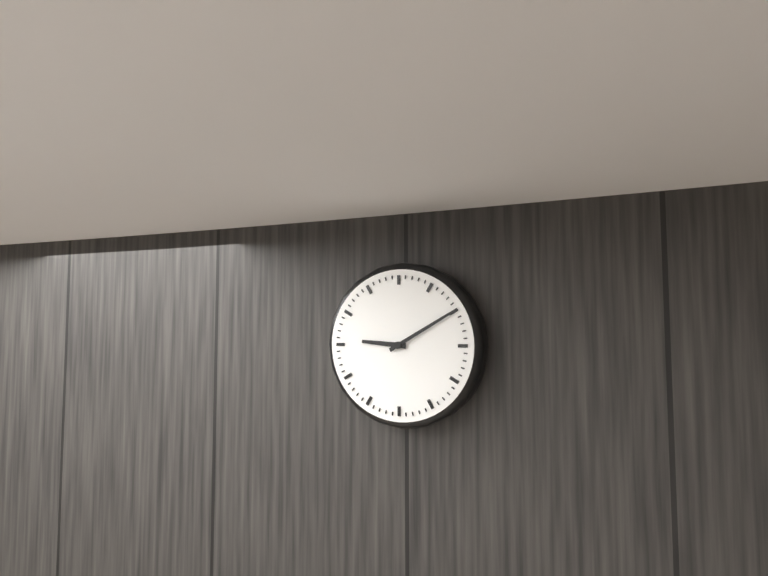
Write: 9:10
